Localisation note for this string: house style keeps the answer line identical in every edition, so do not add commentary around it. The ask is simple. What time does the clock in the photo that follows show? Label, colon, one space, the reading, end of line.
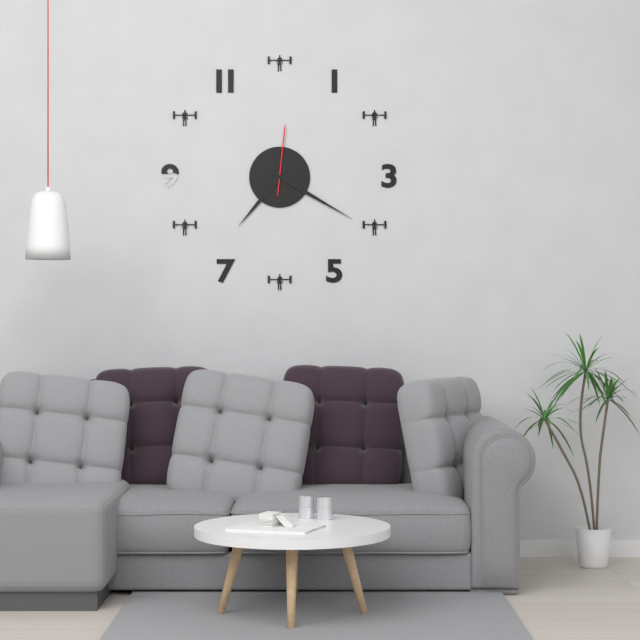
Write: 7:20:01
